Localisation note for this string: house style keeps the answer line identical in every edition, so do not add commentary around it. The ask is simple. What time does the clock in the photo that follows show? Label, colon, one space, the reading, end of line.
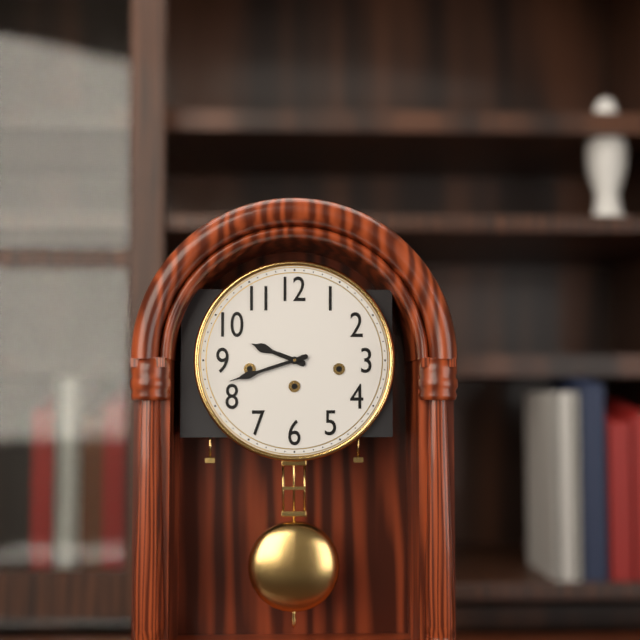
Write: 9:42
